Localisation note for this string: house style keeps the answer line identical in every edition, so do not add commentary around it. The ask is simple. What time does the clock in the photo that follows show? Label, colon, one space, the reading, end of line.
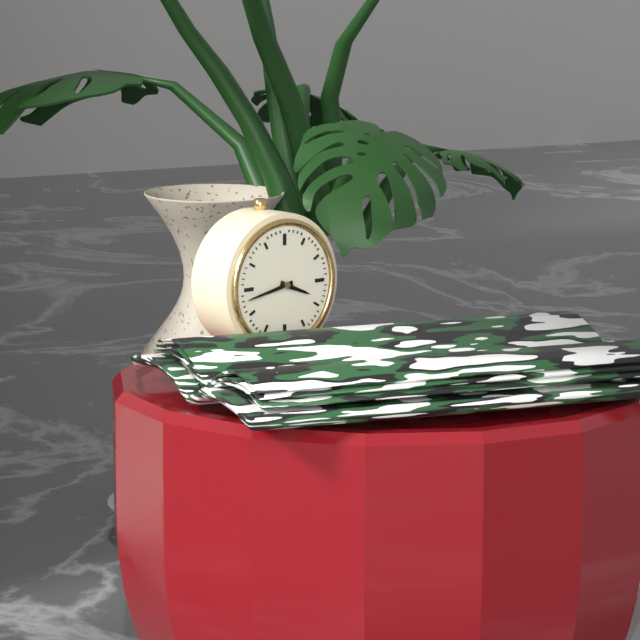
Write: 3:43
